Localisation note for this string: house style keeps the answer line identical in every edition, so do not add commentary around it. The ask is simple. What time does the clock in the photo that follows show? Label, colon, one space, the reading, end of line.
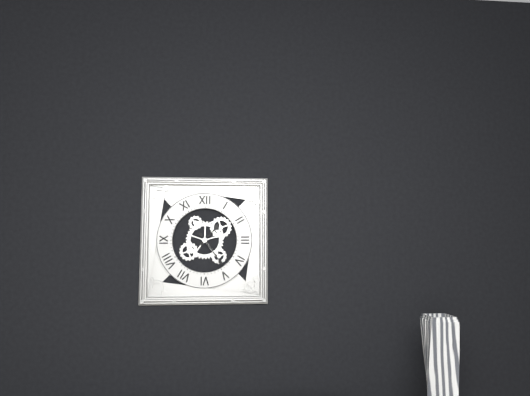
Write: 1:24
